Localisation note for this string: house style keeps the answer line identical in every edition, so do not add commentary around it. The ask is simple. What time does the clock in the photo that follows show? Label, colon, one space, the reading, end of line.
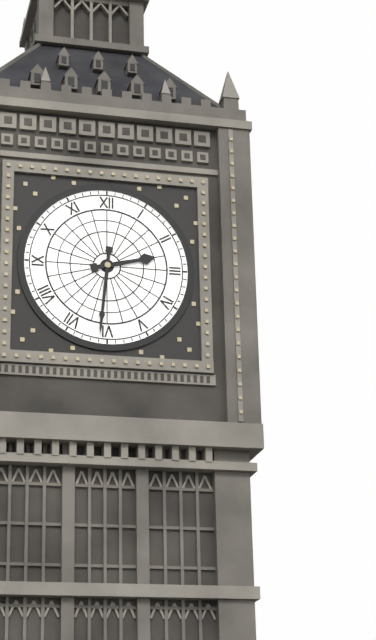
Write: 2:31
